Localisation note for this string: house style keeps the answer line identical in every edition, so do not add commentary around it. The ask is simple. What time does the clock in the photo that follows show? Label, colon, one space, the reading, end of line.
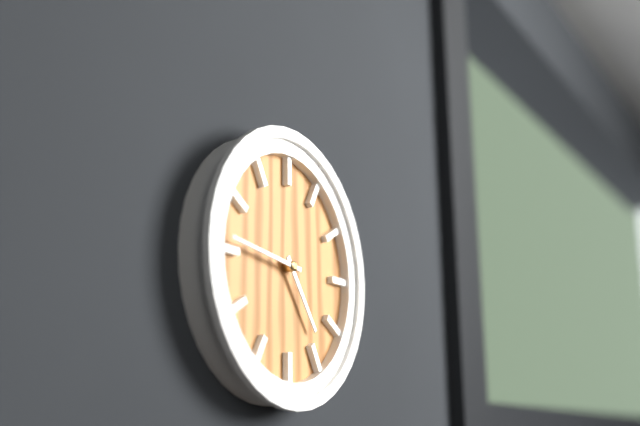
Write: 4:46
